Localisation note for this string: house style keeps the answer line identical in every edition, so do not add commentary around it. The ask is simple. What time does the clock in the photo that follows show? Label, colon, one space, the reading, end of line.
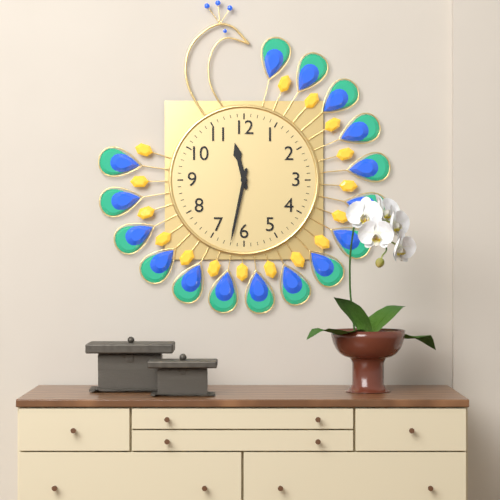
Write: 11:32
